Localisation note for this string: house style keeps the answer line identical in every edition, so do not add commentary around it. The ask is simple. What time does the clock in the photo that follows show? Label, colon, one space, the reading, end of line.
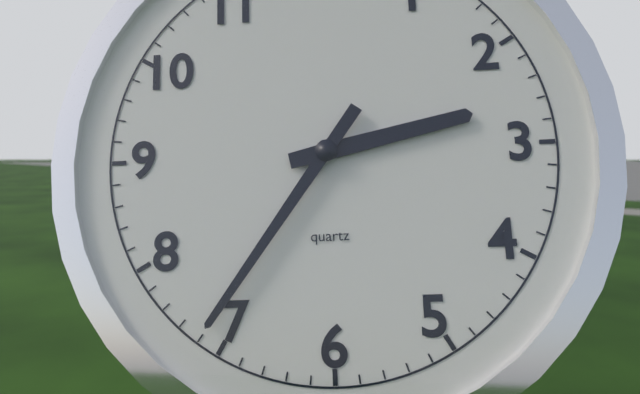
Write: 2:36
